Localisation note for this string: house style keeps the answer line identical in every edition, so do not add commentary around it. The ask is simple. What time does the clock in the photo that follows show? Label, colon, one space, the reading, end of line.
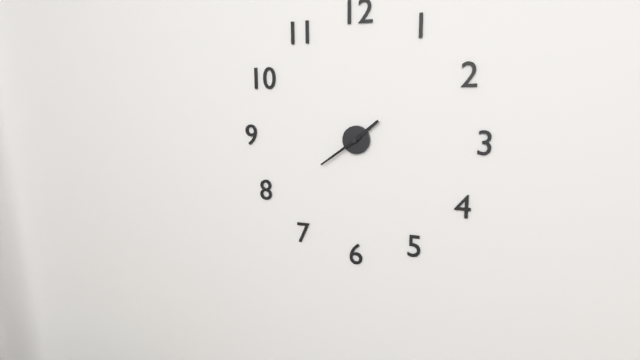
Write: 1:39
